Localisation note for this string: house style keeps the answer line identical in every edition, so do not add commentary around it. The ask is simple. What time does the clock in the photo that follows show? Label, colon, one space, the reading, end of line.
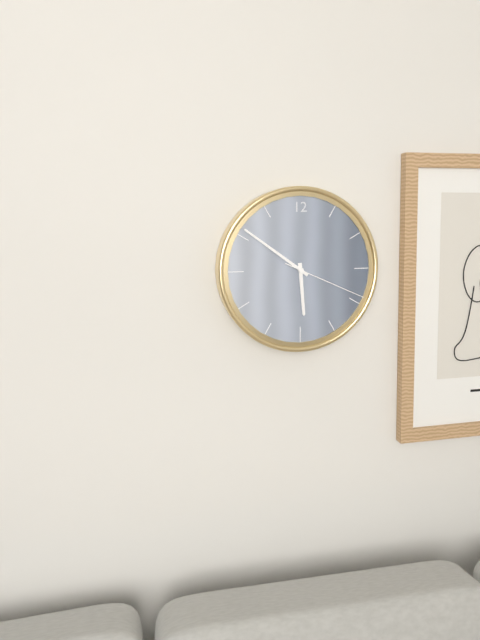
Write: 5:51:19
